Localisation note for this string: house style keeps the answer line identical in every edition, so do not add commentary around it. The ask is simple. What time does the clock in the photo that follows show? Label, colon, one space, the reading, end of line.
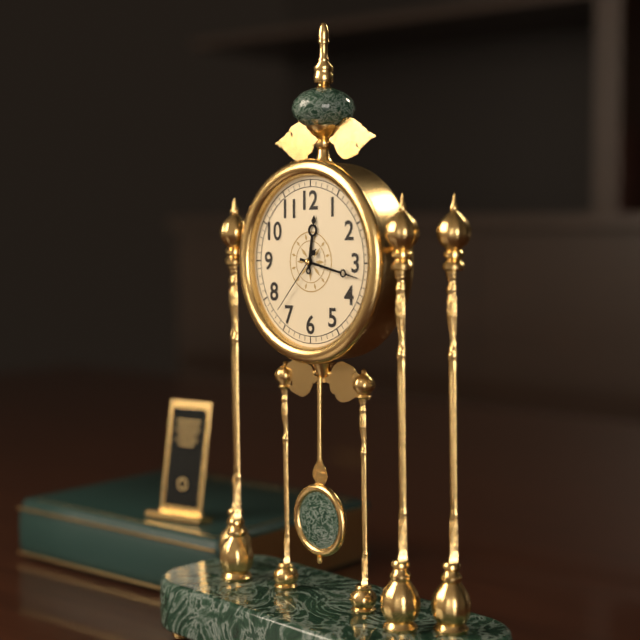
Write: 12:17:37
